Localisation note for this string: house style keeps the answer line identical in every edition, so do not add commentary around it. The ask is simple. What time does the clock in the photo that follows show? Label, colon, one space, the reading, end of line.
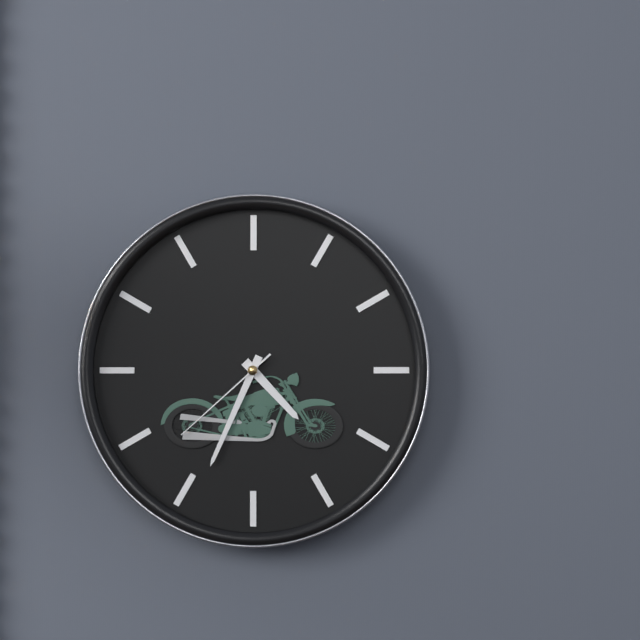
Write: 4:34:38
